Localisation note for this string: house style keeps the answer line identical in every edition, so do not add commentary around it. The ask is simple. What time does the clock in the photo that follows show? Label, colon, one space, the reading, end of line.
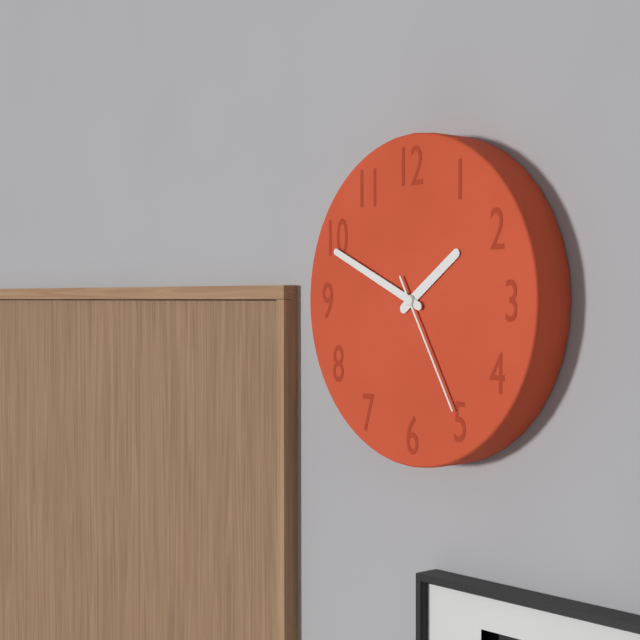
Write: 1:49:25
